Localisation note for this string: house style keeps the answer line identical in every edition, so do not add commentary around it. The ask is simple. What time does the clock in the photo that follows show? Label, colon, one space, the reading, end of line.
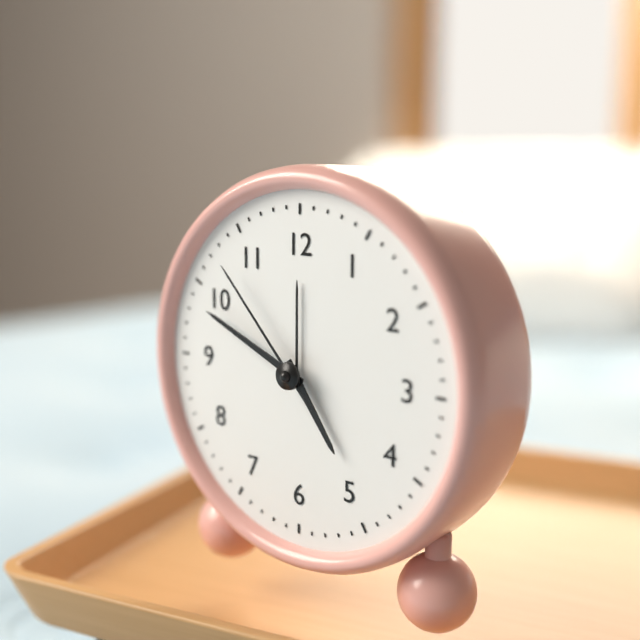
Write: 4:49:53
